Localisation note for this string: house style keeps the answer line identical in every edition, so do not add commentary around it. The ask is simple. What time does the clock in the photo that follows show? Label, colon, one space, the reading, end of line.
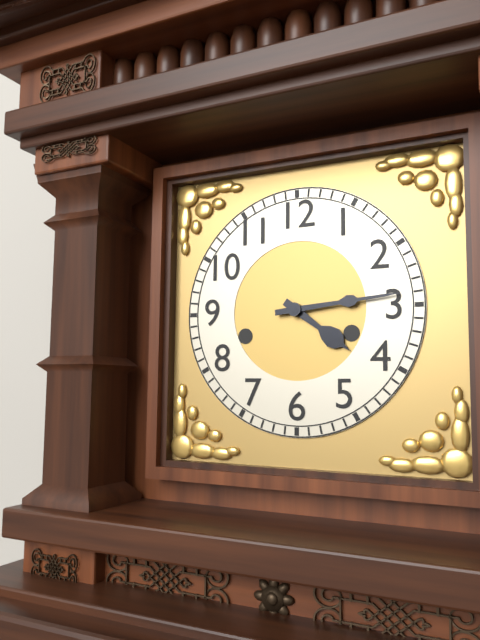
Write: 4:14
